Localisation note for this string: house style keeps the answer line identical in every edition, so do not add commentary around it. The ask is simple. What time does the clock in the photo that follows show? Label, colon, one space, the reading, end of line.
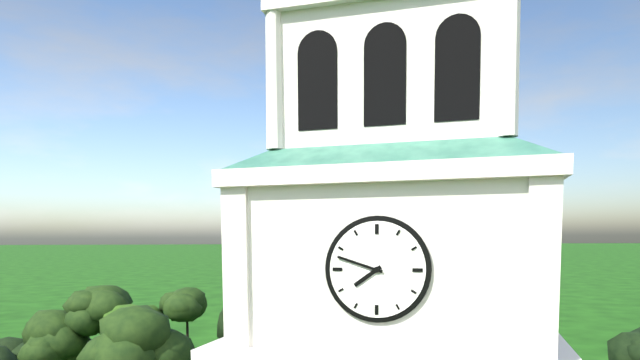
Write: 7:48
